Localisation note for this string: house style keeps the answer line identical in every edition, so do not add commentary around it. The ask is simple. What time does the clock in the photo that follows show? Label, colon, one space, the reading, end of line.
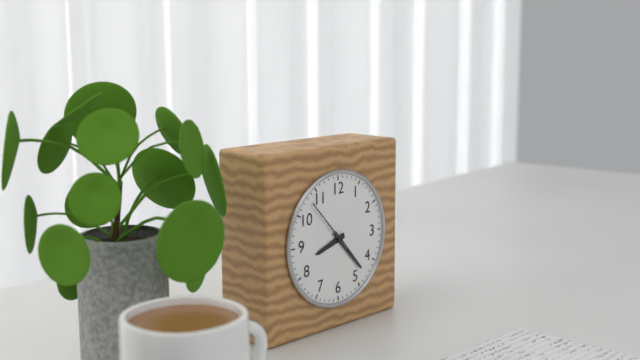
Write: 8:23:53
